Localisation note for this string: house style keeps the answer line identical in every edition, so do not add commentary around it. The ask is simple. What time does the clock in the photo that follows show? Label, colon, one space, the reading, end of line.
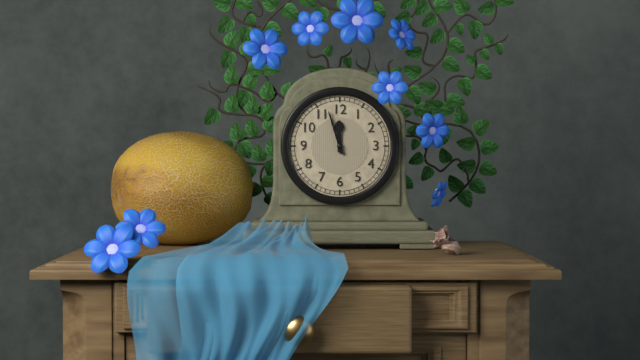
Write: 11:57
